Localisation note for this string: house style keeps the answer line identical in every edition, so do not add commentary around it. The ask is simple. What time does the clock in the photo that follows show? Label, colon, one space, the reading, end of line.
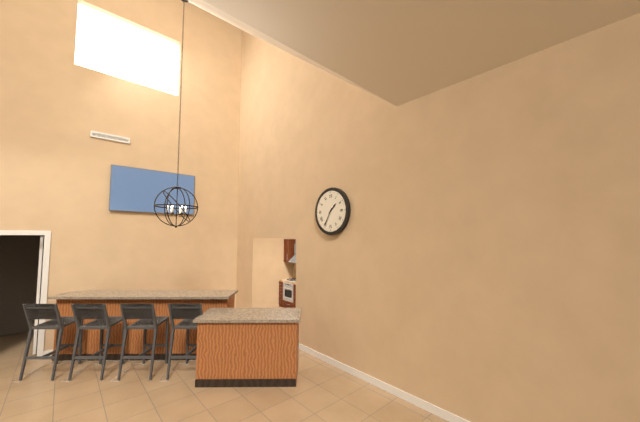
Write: 1:35
